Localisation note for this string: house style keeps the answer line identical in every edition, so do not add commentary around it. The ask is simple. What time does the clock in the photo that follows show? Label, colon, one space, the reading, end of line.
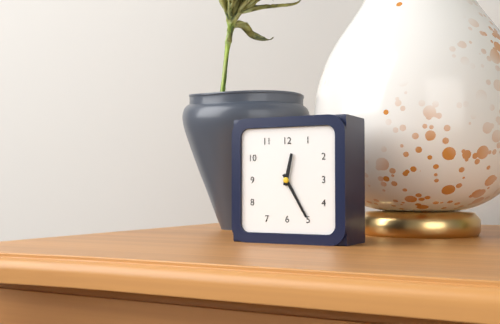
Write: 12:25
